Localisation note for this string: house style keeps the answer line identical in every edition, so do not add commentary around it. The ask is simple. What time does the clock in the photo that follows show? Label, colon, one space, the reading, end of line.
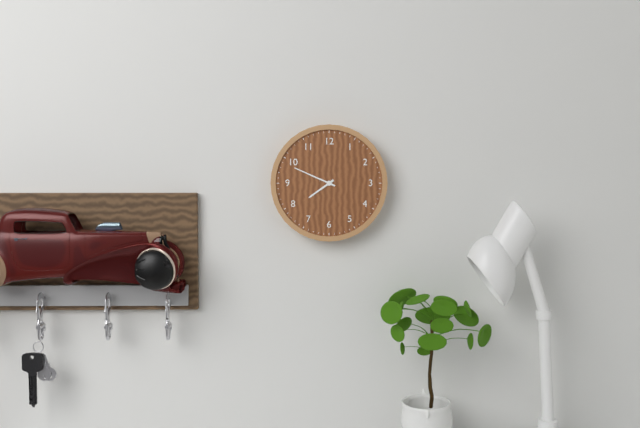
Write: 7:49
